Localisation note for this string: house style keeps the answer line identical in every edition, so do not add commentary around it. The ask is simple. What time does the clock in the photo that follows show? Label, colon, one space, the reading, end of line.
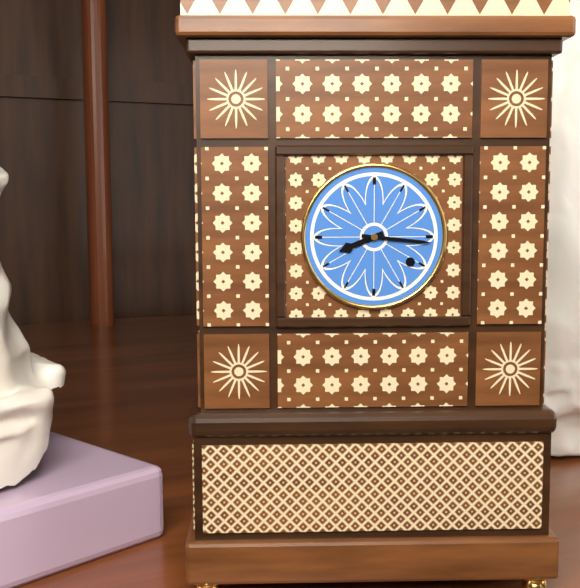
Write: 8:16
